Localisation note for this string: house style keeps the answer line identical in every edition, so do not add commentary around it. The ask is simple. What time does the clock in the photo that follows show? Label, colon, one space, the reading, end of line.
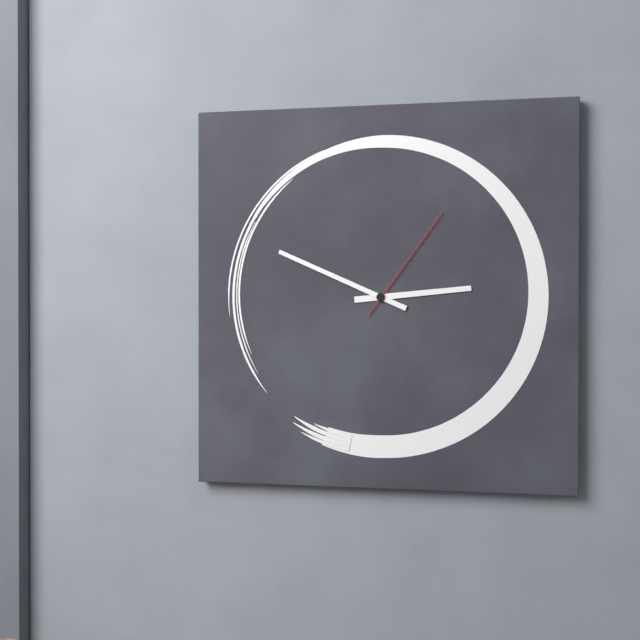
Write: 2:49:06
